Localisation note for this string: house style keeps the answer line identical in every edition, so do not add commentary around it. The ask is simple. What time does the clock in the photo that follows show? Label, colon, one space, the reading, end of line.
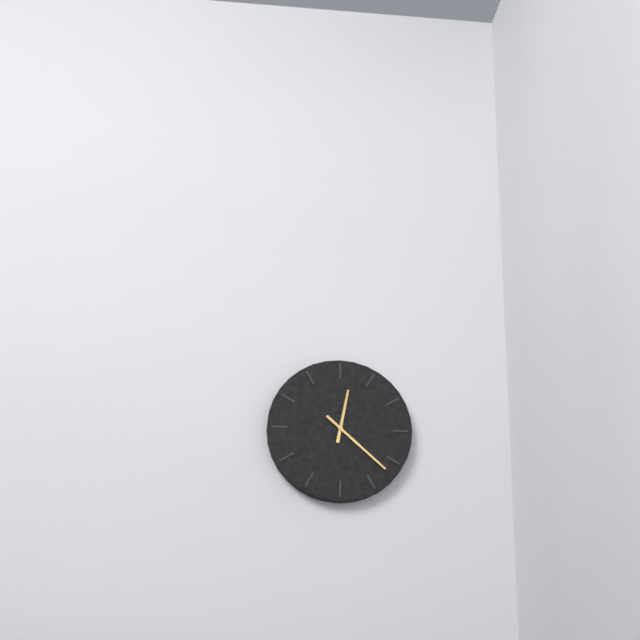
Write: 12:22
